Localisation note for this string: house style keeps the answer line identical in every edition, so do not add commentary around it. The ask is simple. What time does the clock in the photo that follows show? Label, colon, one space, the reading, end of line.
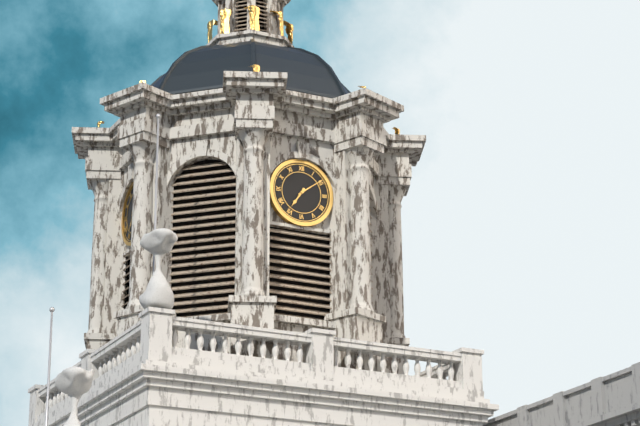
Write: 7:09
